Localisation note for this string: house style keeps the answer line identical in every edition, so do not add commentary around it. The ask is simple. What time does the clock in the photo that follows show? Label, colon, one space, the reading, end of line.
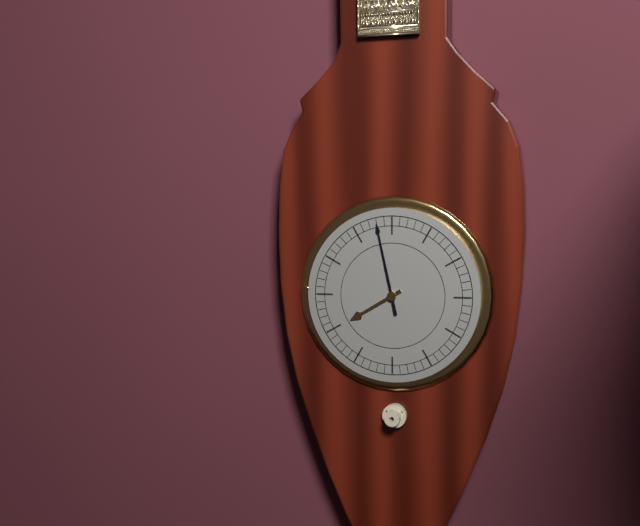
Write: 7:58
